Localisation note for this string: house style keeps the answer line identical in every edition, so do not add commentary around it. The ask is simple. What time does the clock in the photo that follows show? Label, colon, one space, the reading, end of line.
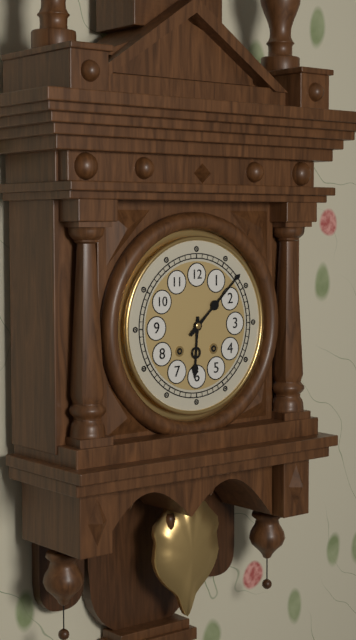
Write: 6:08
